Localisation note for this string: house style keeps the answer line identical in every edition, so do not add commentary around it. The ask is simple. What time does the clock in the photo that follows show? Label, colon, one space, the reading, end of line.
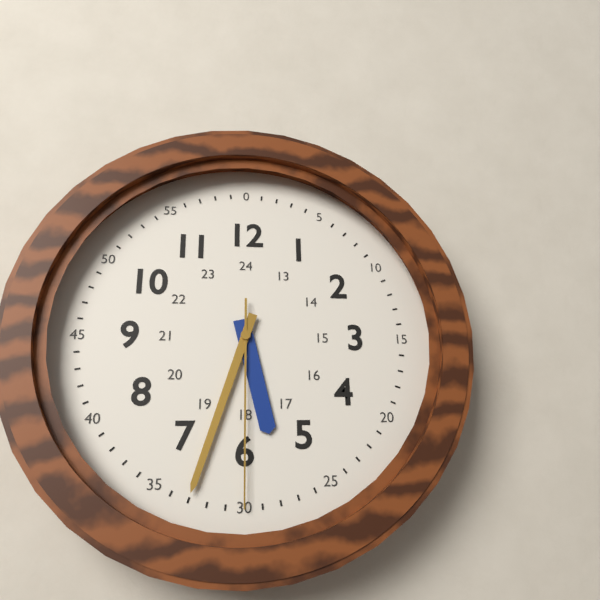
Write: 5:33:30
